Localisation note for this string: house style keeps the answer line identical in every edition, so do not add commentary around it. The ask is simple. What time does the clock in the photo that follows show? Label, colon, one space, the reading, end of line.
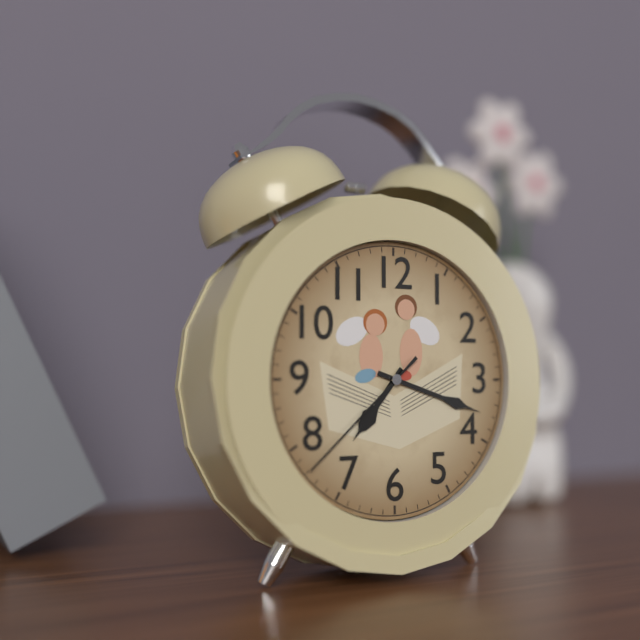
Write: 7:18:38
